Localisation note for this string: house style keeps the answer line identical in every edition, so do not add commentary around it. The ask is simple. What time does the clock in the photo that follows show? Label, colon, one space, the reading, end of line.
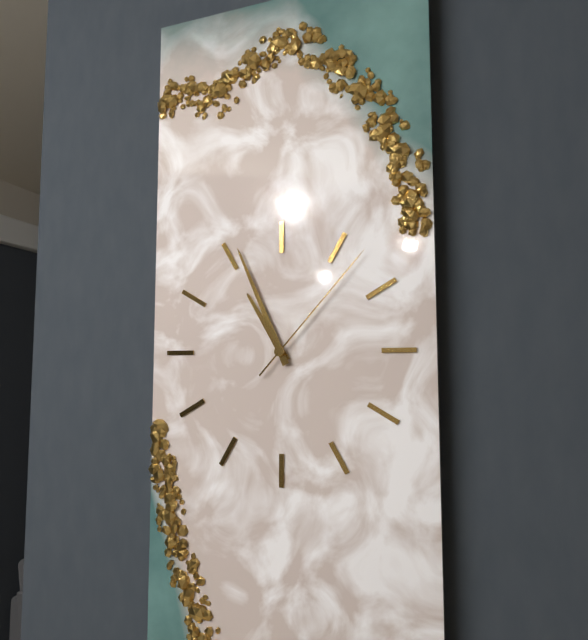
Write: 10:56:07
